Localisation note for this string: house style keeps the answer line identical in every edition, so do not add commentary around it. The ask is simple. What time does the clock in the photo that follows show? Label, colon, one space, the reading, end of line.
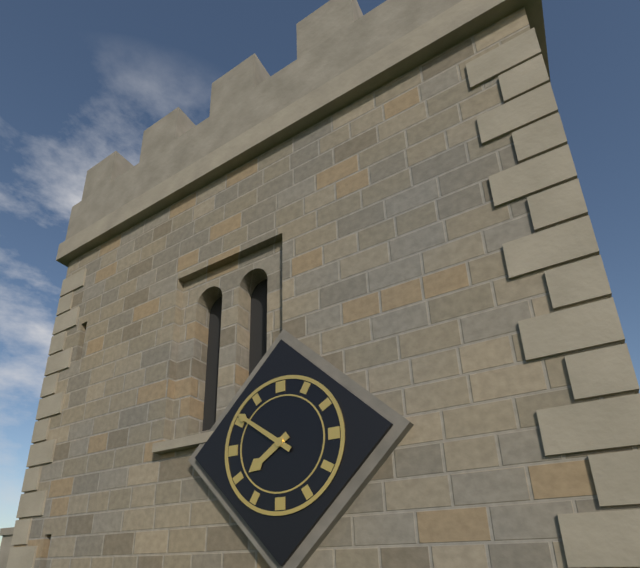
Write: 7:51
